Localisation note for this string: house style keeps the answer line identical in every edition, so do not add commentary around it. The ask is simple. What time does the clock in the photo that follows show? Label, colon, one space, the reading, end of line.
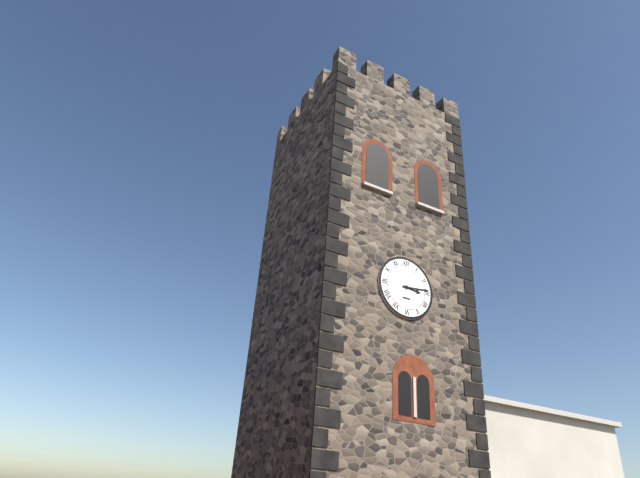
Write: 3:14
